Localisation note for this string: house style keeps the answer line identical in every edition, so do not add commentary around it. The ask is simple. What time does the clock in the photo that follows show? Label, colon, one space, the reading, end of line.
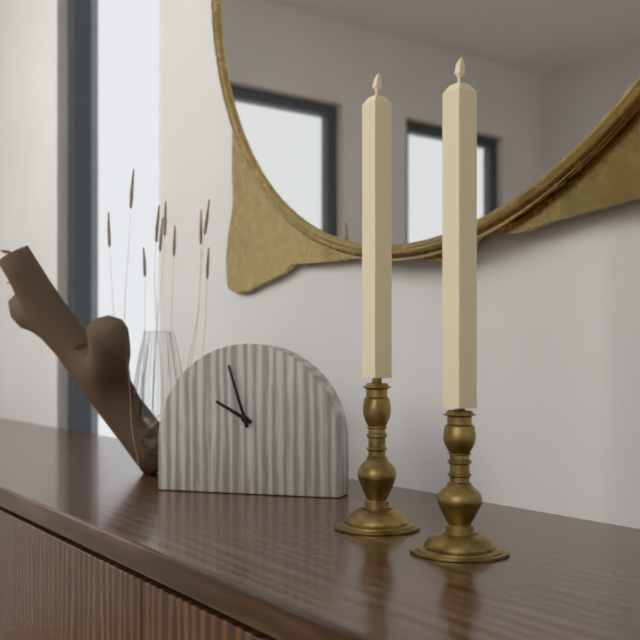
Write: 9:57
